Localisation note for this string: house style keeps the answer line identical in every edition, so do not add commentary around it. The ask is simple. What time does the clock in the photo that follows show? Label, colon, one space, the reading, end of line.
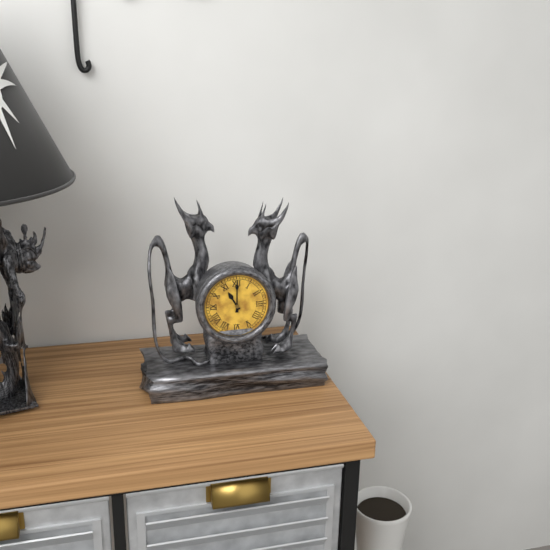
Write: 11:00
